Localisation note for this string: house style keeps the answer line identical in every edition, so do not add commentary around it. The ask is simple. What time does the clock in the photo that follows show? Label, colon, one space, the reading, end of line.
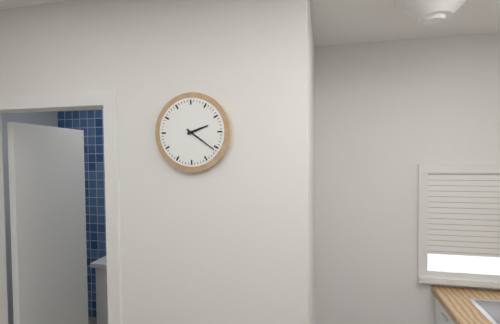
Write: 2:21
